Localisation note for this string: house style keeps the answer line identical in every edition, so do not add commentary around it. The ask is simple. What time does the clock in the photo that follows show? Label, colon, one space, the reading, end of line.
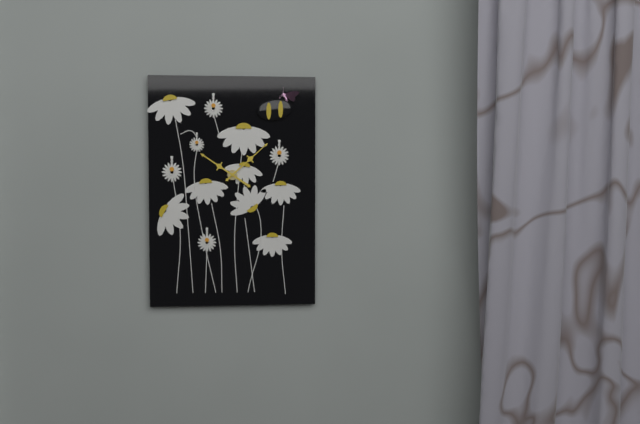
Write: 10:08
